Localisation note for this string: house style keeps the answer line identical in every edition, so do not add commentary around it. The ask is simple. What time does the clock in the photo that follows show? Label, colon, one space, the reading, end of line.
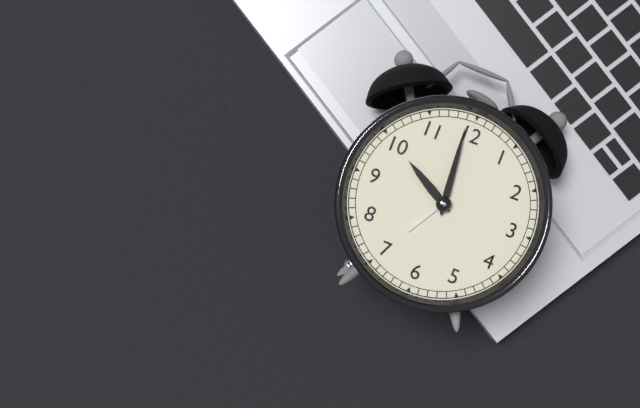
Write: 9:59
